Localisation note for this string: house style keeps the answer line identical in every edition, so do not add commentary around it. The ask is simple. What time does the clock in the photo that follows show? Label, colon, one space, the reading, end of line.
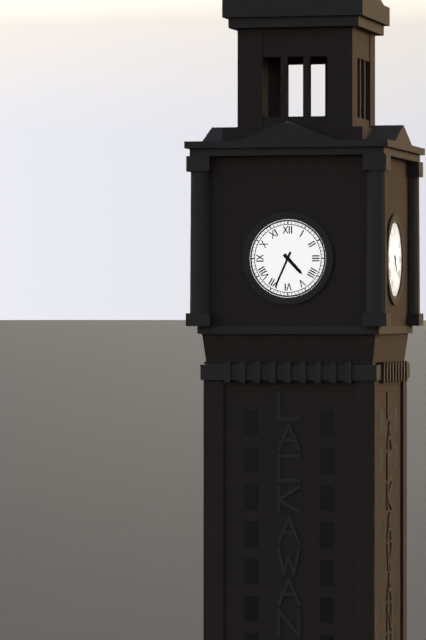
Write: 4:34
